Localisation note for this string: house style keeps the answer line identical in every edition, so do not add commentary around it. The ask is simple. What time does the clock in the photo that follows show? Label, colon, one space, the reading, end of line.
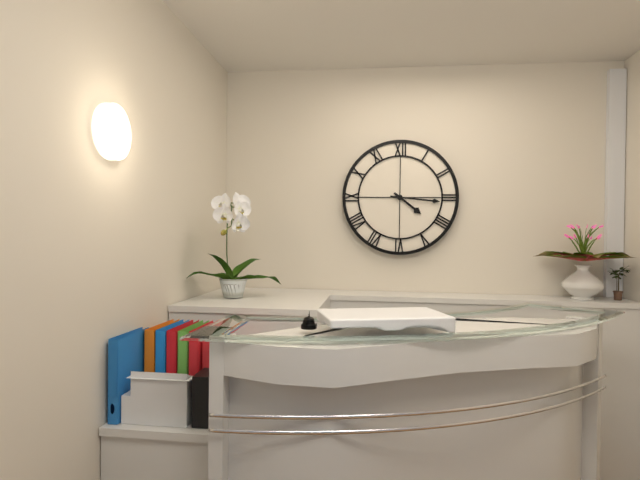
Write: 4:16
